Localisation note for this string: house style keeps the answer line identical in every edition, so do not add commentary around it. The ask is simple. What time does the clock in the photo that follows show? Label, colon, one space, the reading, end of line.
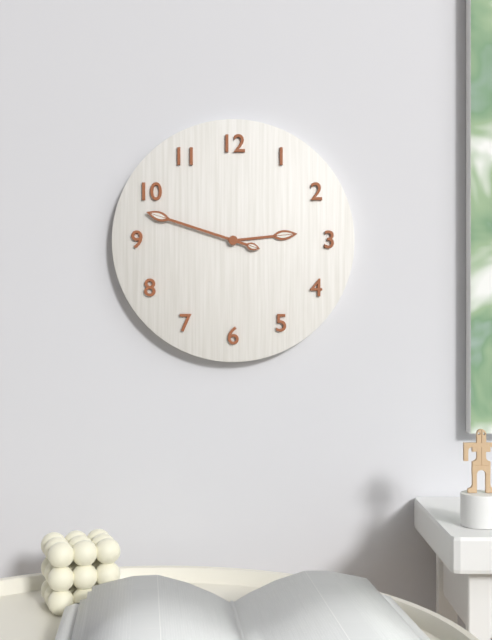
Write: 2:48
